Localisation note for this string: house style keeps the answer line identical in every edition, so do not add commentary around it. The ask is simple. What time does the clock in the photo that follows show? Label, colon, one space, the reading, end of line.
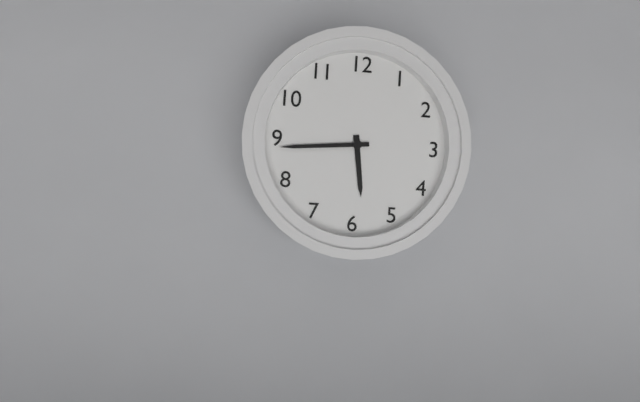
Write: 5:44
